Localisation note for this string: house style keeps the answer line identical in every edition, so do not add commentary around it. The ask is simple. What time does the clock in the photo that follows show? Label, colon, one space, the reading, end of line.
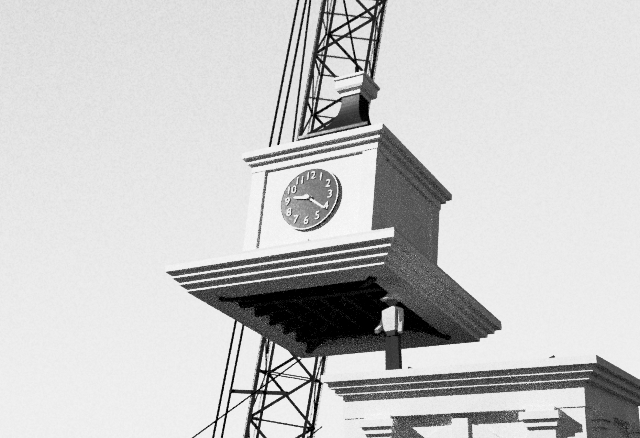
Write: 9:21
